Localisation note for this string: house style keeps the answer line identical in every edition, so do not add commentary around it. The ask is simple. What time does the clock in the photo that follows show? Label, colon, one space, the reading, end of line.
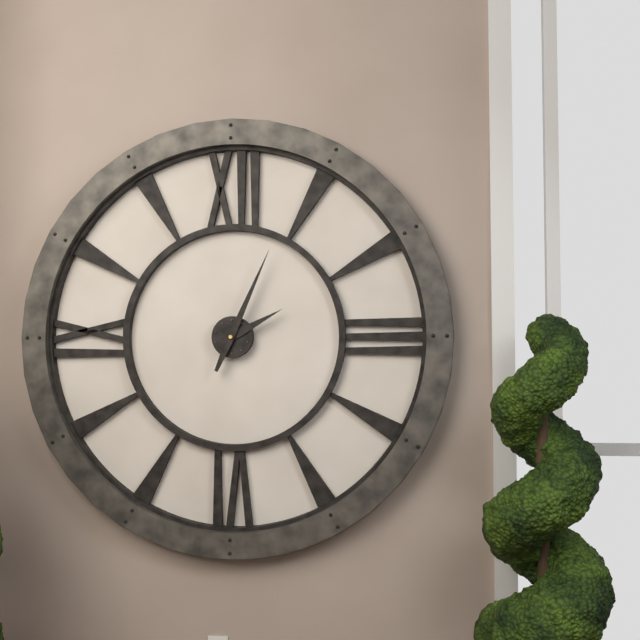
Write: 2:04
